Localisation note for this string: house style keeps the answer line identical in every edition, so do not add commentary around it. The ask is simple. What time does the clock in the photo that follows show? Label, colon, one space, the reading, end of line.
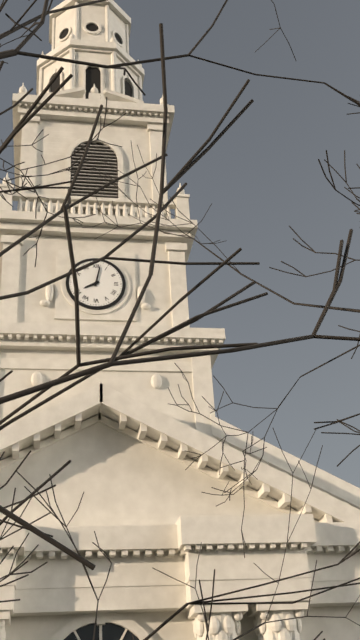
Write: 8:02
